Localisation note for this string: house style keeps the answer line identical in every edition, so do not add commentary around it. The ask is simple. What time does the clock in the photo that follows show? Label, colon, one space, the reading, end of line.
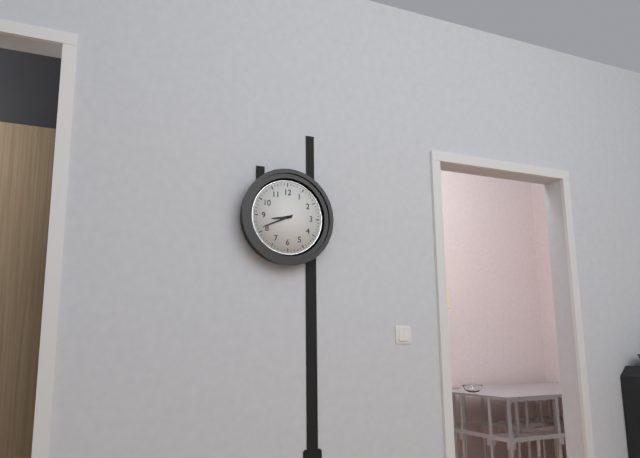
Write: 8:41
